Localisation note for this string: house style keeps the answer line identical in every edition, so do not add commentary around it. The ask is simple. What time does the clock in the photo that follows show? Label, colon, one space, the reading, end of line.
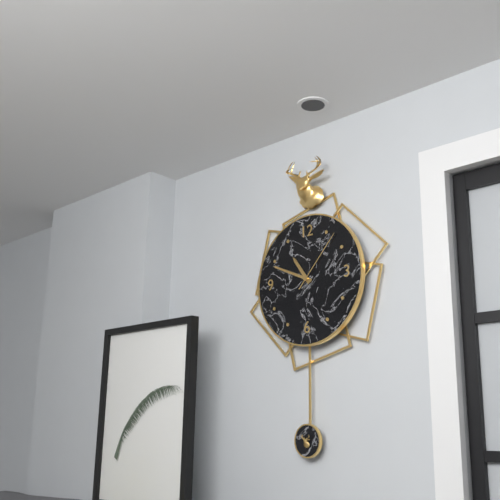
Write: 10:49:07
